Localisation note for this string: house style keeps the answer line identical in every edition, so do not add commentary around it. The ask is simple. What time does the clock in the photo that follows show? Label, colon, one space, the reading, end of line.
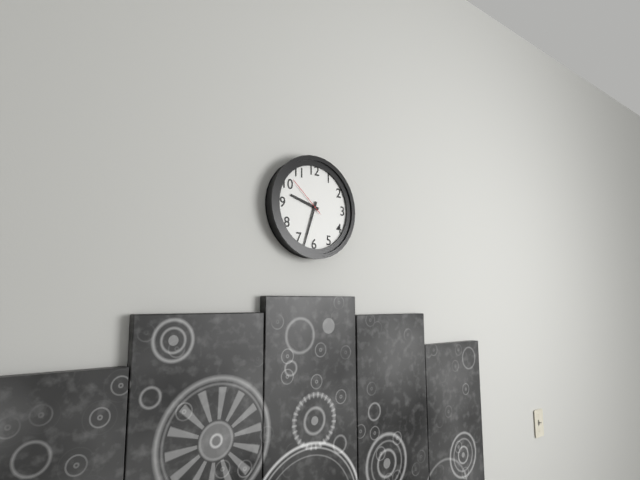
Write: 9:33
